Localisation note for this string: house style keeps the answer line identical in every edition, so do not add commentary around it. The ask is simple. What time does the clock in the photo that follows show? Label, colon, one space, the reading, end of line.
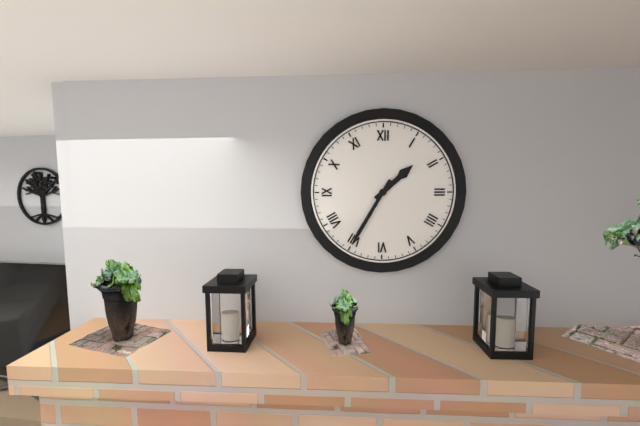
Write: 1:35
